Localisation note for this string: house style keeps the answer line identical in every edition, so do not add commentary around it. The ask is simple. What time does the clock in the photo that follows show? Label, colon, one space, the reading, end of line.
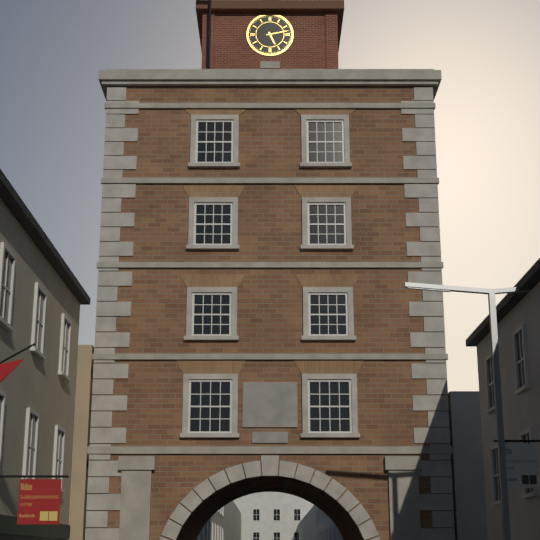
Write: 5:13
